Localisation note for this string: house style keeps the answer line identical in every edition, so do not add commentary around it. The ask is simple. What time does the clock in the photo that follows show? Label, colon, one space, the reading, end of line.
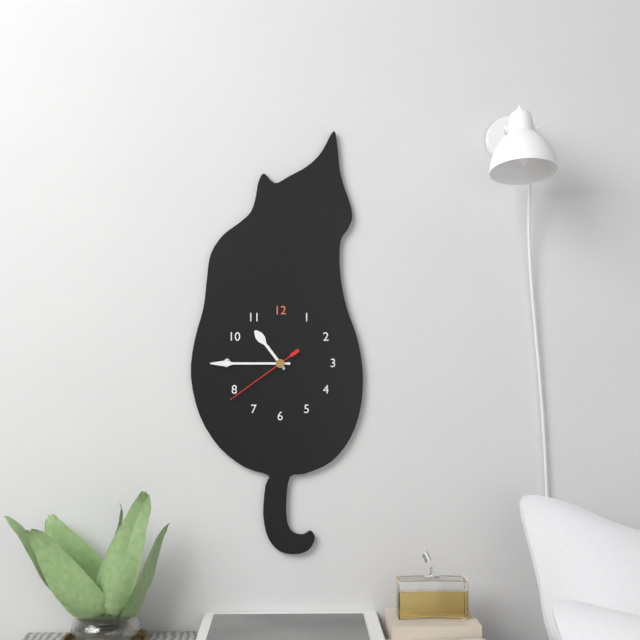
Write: 10:45:39
